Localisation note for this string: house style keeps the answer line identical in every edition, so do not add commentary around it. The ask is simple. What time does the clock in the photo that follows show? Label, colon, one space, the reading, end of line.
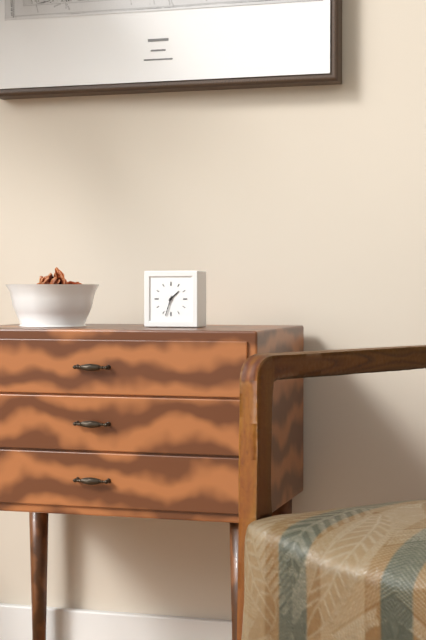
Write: 1:33
